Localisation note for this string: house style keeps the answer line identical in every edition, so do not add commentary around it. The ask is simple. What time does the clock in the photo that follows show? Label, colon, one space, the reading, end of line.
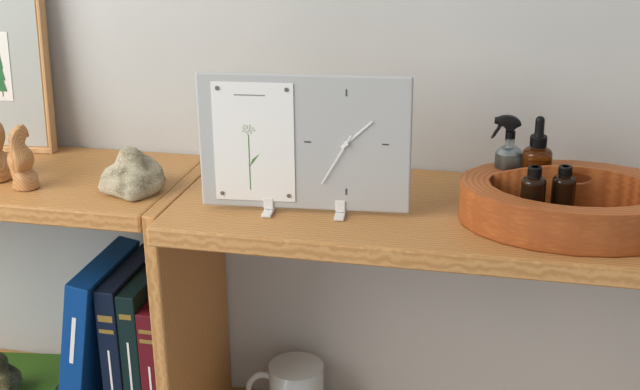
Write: 1:35
